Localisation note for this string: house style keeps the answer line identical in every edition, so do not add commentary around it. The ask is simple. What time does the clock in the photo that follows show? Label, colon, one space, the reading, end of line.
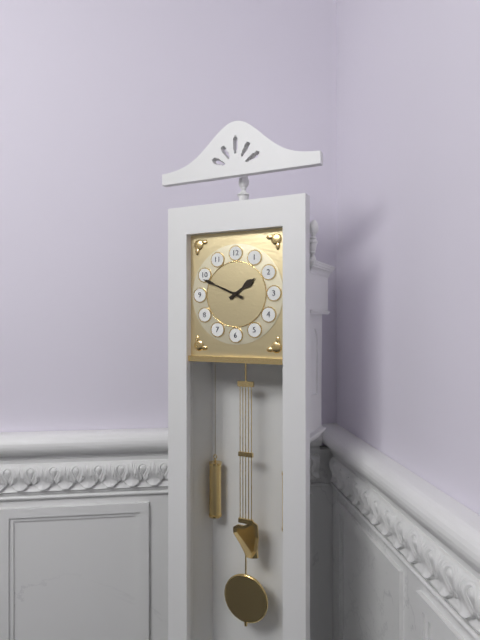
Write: 1:49
